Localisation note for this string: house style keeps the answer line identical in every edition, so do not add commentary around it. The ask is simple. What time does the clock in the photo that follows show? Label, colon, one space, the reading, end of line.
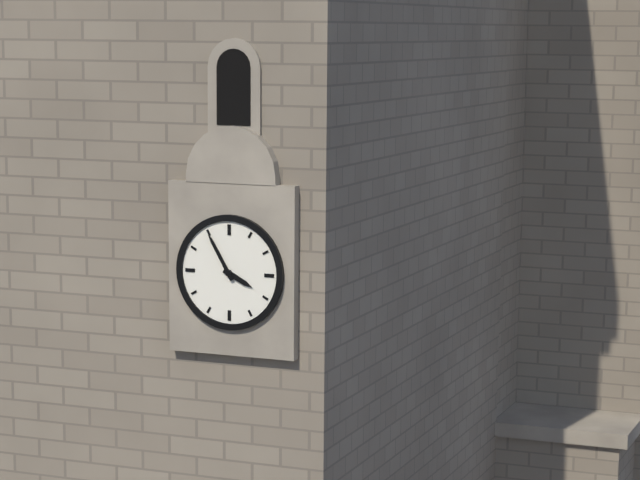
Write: 3:55
